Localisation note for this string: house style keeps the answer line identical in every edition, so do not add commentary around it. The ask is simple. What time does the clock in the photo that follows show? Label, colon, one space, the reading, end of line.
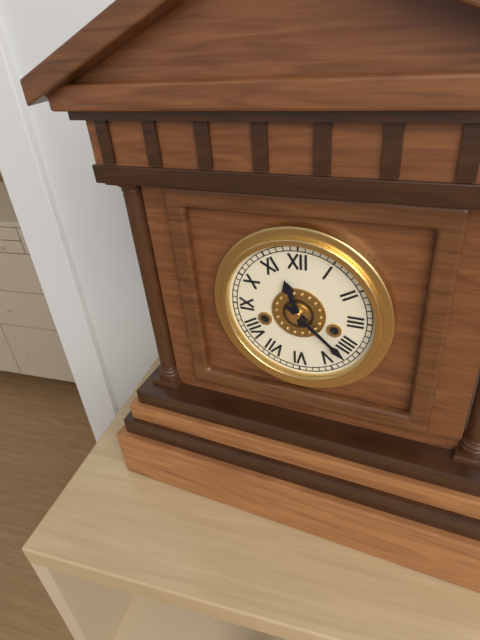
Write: 11:22
